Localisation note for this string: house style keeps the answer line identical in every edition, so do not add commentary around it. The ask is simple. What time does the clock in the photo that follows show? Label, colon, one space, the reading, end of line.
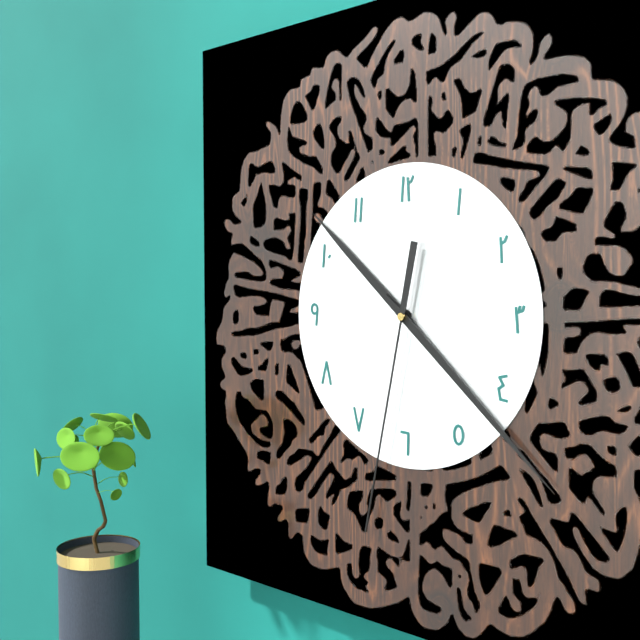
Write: 10:22:32
